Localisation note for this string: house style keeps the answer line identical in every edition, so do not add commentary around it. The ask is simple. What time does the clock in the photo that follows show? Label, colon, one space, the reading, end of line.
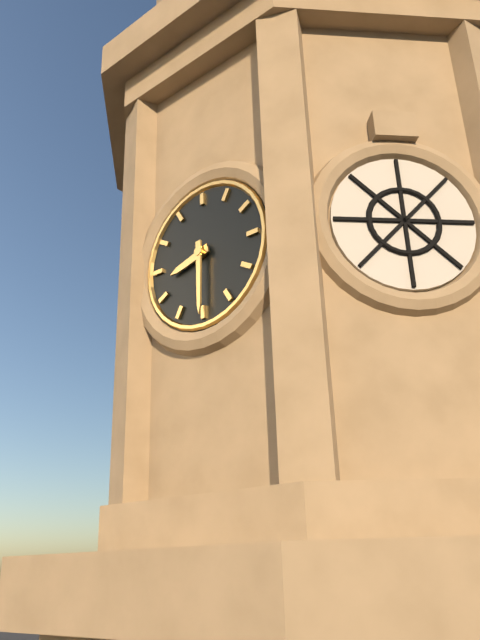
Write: 8:30
